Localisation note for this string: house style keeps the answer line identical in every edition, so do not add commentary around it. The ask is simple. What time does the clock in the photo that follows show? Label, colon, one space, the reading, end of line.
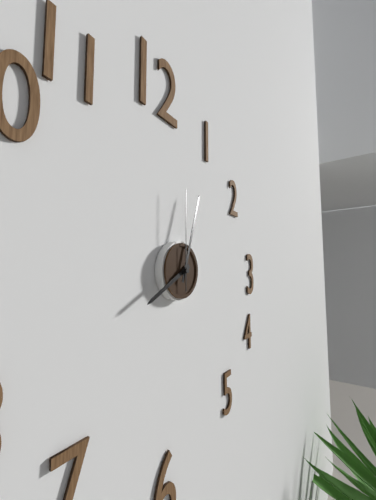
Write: 8:03:00
